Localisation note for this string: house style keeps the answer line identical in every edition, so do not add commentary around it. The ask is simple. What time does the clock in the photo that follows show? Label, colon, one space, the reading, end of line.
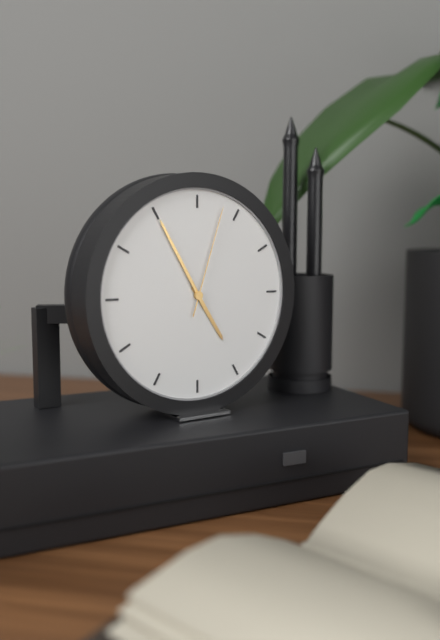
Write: 4:55:03
